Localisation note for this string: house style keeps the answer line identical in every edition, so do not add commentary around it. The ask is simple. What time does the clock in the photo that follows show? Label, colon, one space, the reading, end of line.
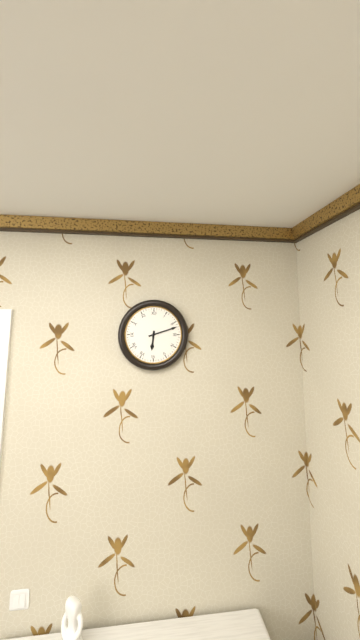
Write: 6:12
